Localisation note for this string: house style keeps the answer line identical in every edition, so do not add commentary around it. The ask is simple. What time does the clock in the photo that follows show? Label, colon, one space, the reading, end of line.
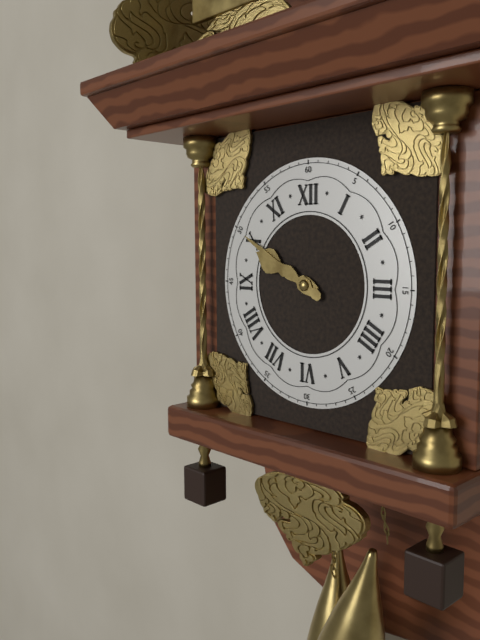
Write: 9:50
